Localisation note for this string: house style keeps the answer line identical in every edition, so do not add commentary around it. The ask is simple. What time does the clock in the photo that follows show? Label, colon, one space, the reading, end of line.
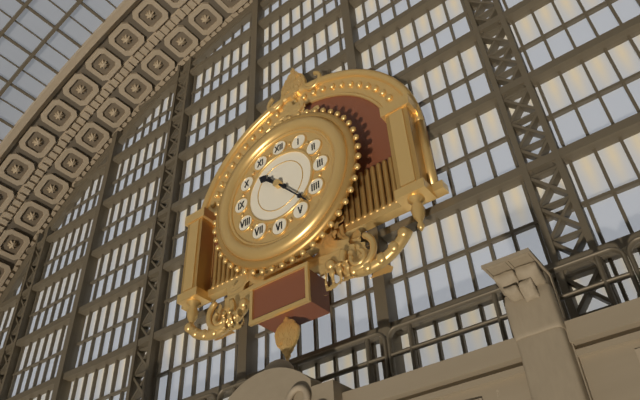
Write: 10:23
